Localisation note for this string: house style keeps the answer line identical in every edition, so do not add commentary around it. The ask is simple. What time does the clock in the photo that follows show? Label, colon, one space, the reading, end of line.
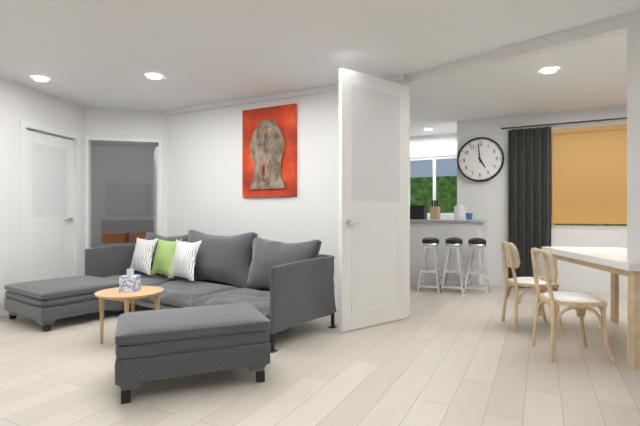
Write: 4:59
